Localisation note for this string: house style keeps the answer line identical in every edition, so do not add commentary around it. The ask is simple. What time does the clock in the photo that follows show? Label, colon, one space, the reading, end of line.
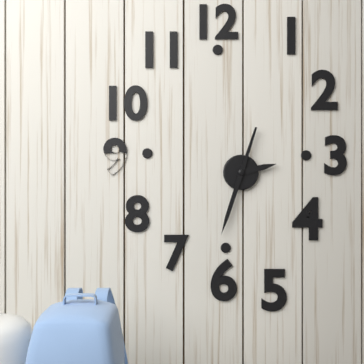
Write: 2:33
